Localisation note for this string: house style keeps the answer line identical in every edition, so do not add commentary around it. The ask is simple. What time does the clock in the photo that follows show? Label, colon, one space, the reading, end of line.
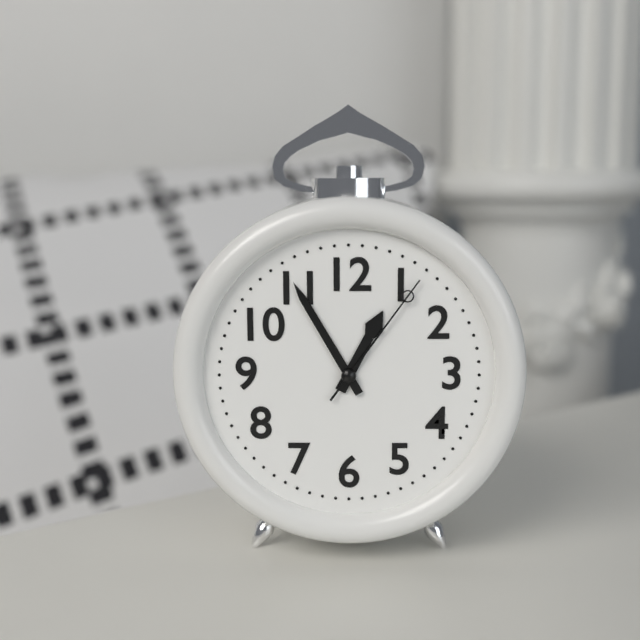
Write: 12:55:06
